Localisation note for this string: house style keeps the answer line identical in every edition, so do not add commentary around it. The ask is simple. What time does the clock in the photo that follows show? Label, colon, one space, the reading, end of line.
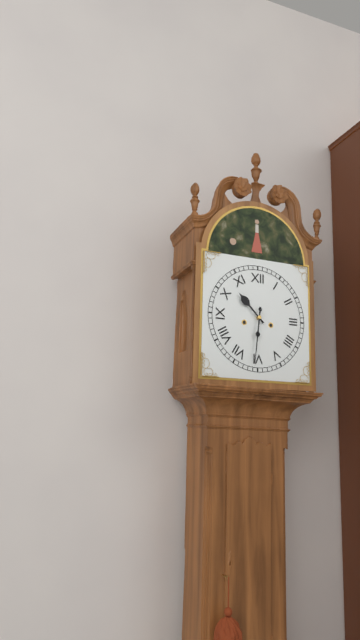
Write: 10:31
